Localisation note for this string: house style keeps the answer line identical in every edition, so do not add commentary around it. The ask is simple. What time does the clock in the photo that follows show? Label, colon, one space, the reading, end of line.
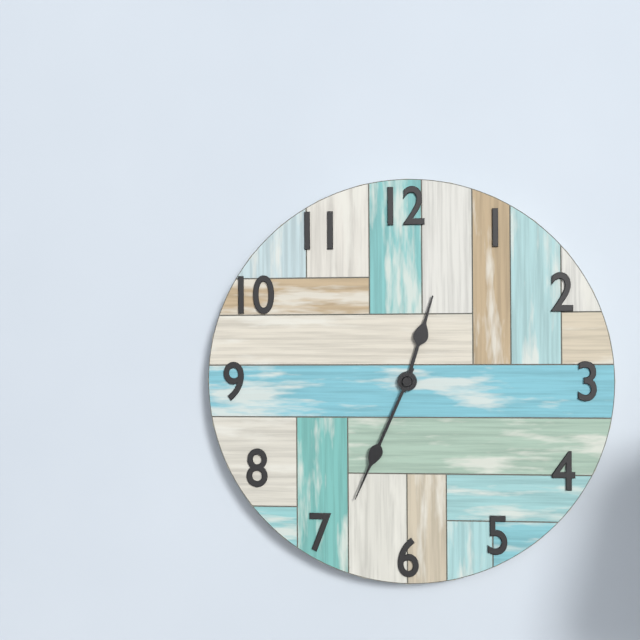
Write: 12:34
